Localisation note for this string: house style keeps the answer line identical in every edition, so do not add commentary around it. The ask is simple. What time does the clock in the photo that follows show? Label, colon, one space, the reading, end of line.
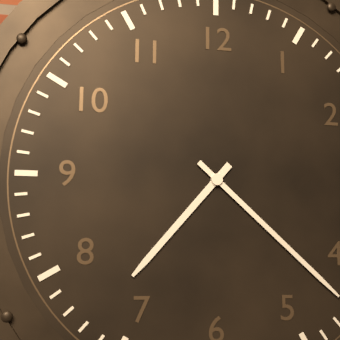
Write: 7:22
